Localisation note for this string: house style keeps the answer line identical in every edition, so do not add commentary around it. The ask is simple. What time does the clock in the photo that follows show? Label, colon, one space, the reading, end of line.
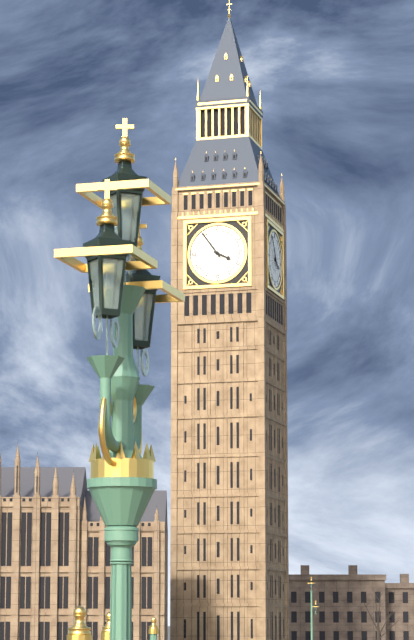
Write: 3:54
